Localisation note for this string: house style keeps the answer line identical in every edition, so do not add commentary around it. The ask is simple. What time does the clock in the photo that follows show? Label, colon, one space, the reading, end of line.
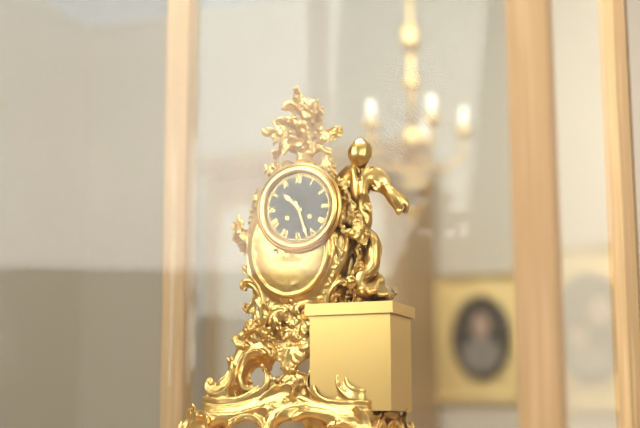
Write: 10:27
